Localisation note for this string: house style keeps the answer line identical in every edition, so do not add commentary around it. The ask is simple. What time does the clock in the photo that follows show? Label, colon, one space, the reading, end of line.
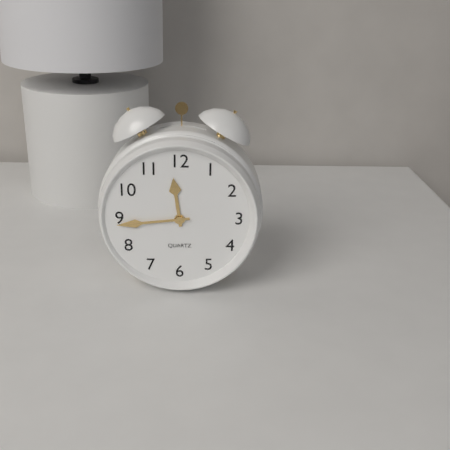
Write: 11:44
